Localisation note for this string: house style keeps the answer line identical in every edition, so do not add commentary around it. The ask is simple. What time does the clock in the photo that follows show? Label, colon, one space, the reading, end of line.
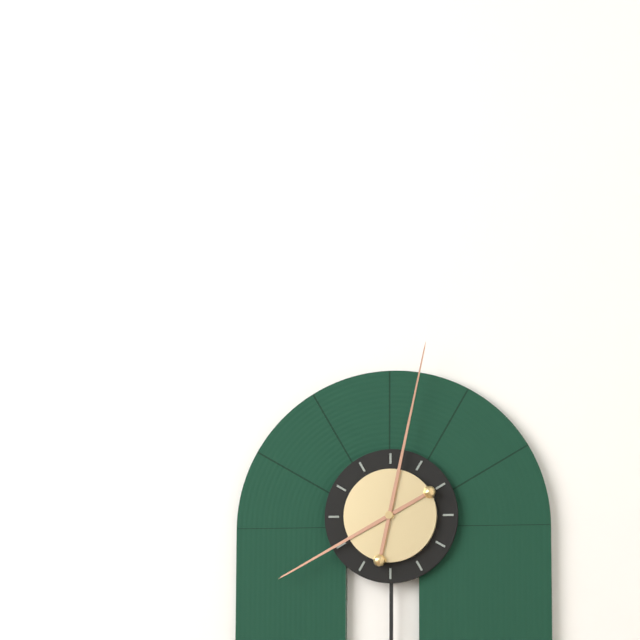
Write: 8:02
